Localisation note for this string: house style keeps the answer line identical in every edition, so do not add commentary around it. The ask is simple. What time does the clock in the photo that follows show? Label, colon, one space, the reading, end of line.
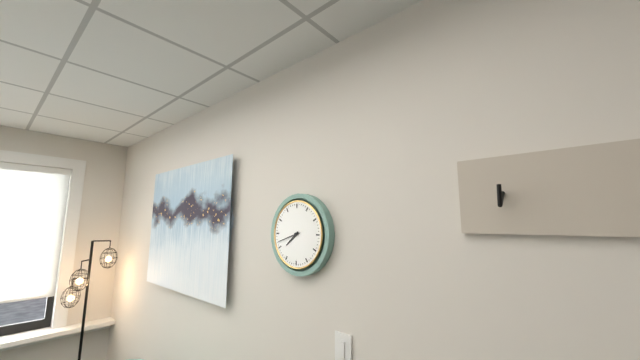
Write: 7:42
